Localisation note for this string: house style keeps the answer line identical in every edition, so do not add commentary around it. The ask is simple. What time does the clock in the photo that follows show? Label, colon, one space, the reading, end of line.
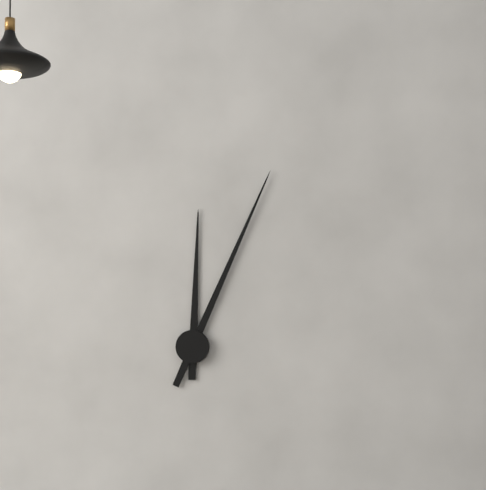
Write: 12:04
